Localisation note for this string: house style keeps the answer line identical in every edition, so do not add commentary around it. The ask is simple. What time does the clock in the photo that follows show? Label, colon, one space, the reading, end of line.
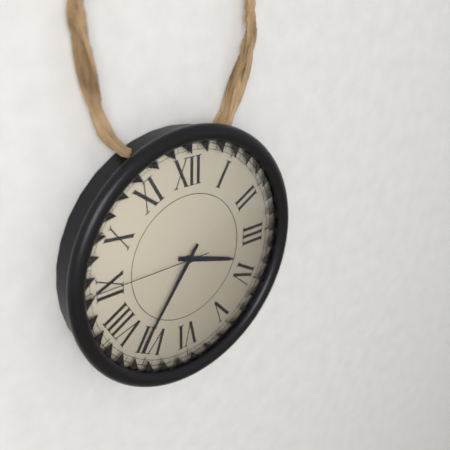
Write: 3:36:45
